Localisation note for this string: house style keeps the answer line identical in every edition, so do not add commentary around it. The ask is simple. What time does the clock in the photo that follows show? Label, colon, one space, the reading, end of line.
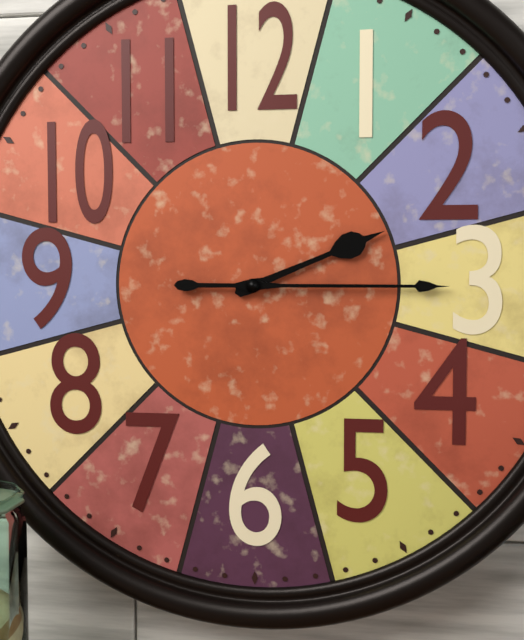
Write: 2:15
